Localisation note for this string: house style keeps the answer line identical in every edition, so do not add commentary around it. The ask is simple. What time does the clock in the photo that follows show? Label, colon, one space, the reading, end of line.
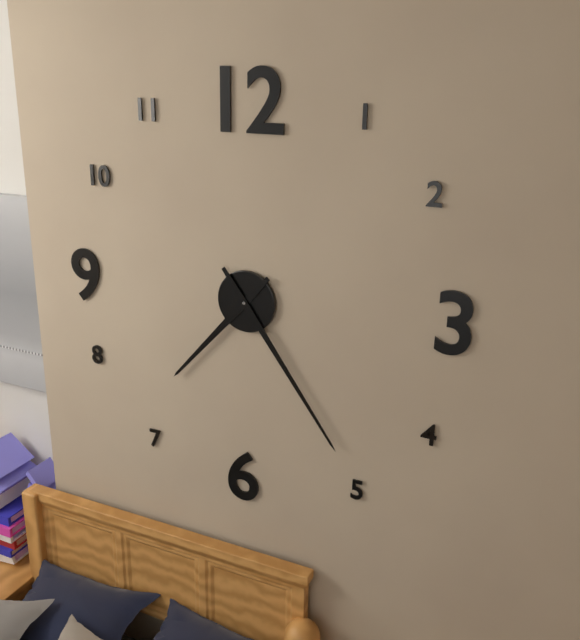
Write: 7:24
